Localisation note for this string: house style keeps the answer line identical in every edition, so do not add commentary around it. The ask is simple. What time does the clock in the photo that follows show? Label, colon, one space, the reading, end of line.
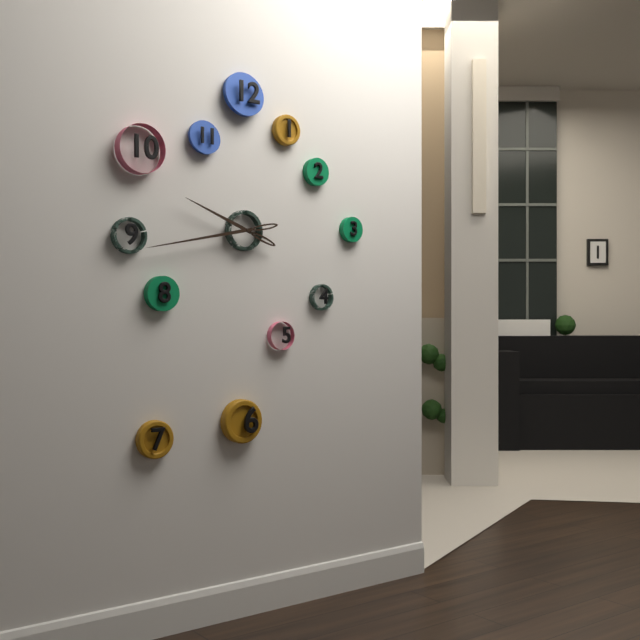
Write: 9:43
